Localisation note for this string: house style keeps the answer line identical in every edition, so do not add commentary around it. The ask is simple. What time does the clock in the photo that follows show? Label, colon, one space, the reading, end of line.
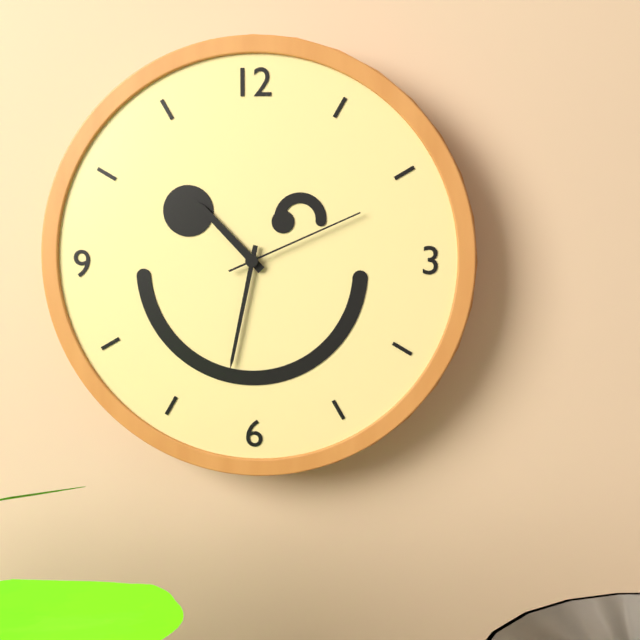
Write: 10:32:11
